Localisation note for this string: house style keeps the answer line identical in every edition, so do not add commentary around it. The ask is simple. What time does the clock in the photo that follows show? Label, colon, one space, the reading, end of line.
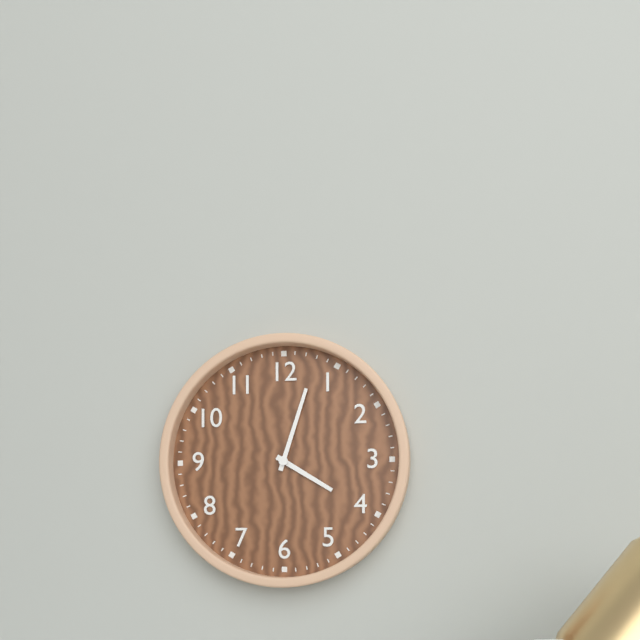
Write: 4:03
